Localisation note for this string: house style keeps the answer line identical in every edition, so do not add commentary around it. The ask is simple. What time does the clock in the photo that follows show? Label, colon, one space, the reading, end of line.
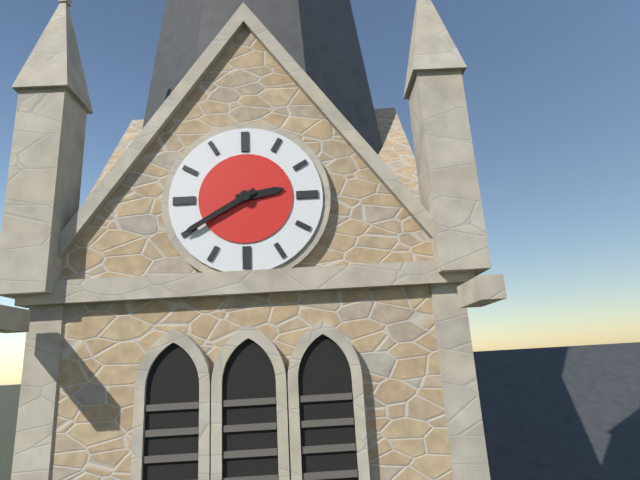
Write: 2:40
